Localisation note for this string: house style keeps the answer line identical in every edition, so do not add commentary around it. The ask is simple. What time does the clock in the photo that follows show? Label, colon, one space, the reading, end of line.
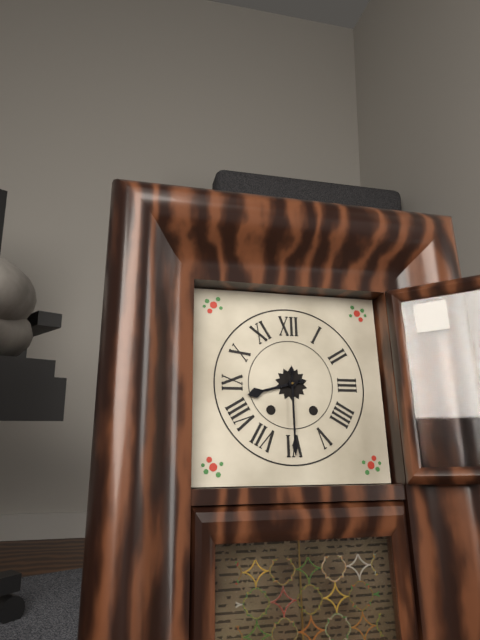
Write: 8:30
